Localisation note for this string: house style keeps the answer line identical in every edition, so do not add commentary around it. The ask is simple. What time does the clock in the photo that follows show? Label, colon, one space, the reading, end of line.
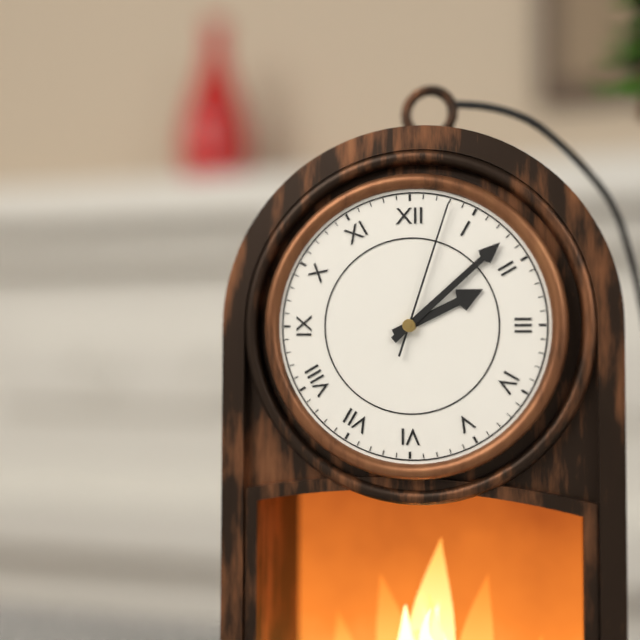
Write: 2:08:03
